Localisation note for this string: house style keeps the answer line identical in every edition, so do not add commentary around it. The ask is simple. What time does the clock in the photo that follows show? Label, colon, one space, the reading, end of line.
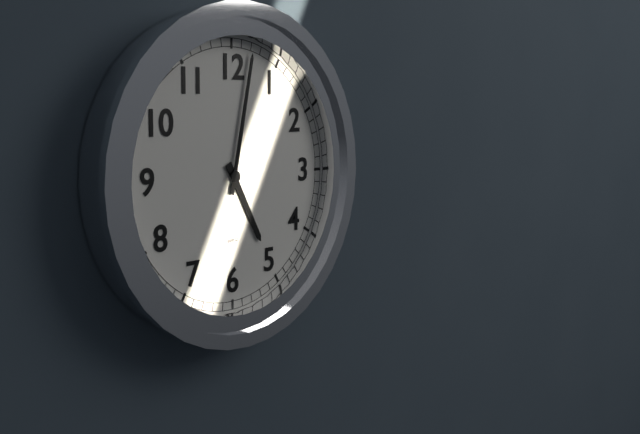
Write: 5:02
